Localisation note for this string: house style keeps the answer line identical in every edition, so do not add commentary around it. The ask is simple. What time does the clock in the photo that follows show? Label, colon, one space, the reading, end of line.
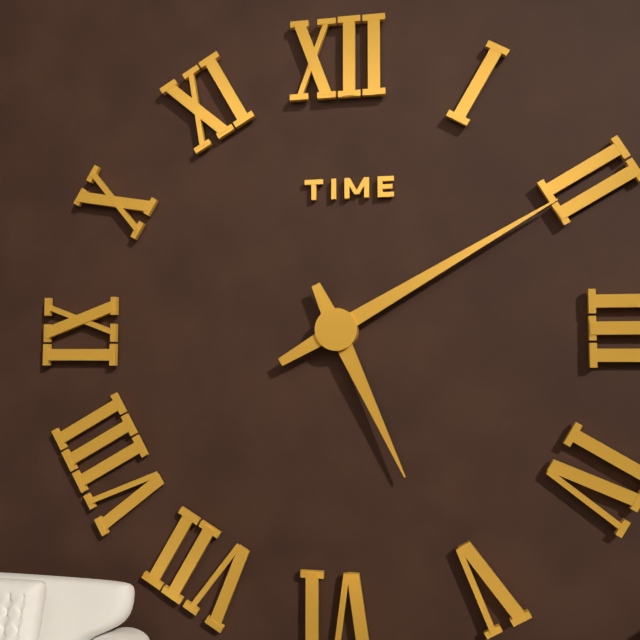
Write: 5:10
